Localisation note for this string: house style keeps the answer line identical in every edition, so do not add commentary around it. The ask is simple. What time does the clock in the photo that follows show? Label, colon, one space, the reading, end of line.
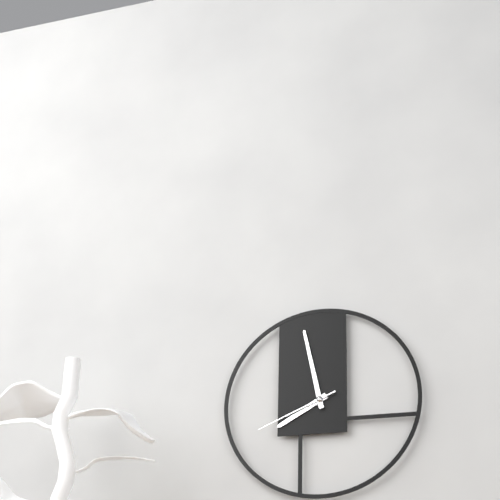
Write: 7:58:41
